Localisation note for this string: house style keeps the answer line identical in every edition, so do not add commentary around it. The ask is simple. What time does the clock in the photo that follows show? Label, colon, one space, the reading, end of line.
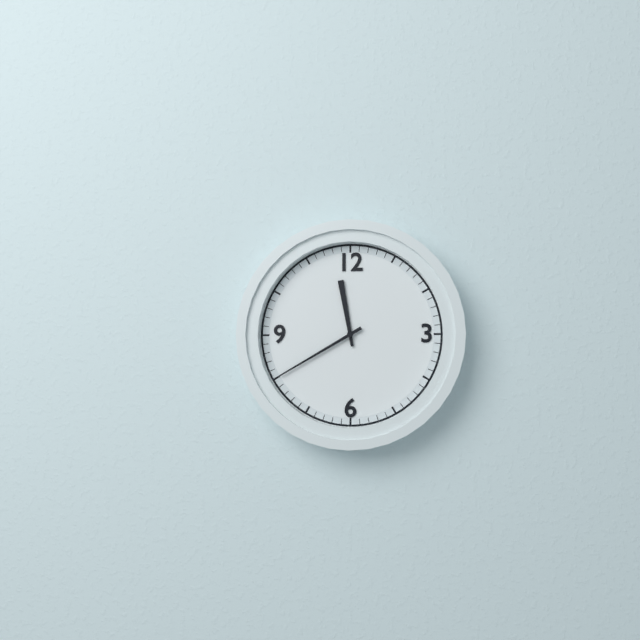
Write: 11:40
